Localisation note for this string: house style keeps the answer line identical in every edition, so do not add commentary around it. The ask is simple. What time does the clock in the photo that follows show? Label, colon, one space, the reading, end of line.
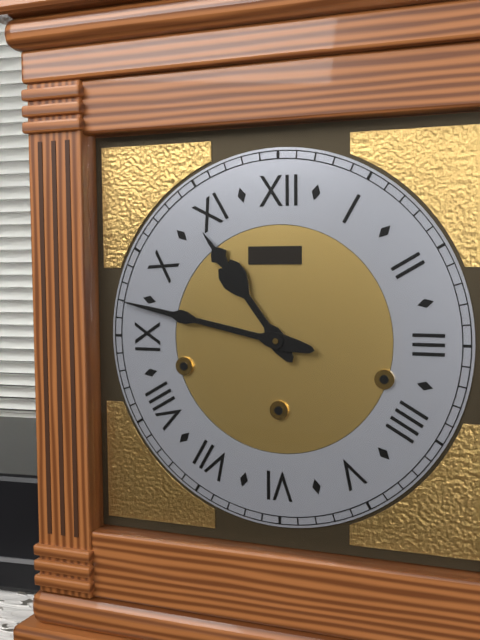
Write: 10:47
